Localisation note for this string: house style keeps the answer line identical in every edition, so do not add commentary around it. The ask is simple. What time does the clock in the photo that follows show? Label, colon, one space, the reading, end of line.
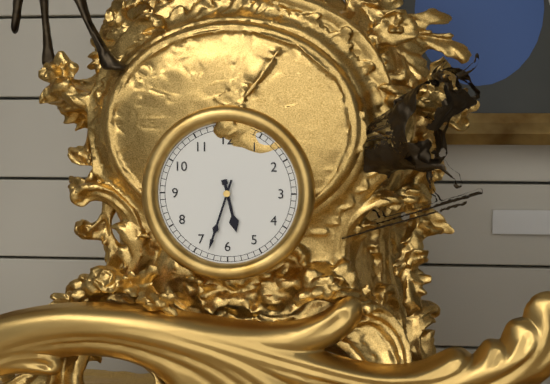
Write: 5:33
